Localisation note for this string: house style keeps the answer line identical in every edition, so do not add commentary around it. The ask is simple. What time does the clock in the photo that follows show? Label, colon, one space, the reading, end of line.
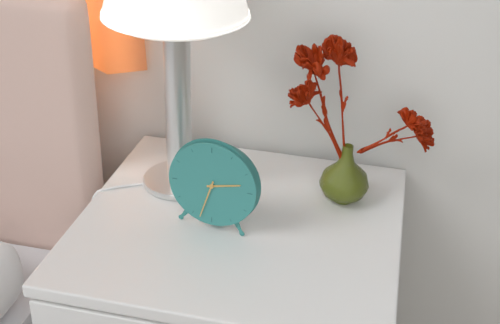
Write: 2:33
